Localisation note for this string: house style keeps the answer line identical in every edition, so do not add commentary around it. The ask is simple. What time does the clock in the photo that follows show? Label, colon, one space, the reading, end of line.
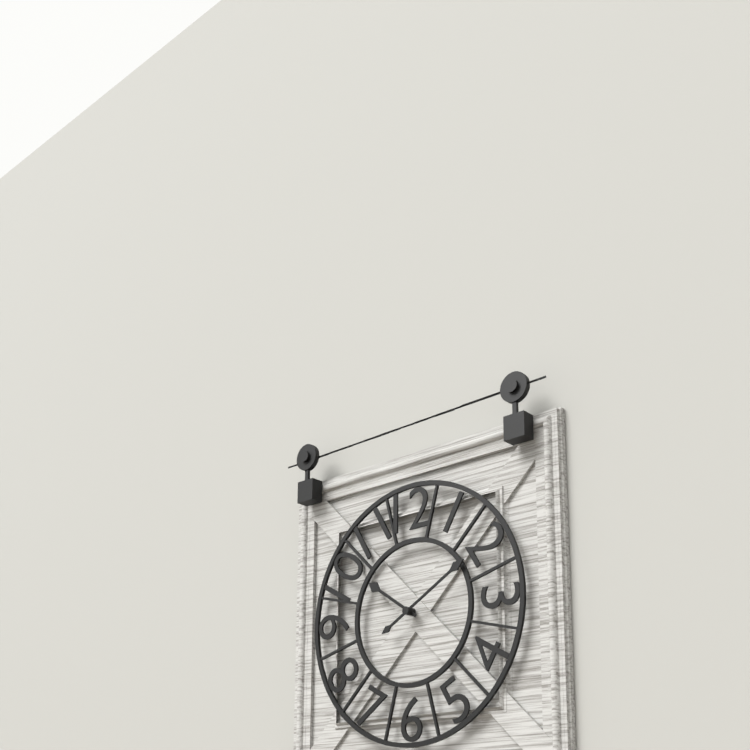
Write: 10:10
